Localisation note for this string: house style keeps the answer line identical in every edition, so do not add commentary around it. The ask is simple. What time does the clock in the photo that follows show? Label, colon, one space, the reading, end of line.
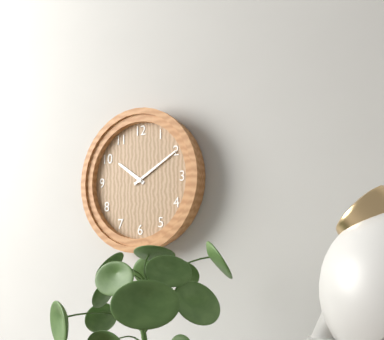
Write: 10:10
